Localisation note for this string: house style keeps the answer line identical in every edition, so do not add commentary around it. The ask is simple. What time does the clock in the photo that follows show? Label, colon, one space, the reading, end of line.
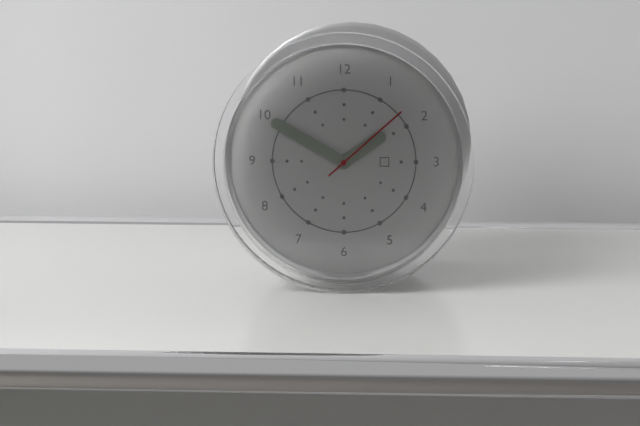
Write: 1:50:08
